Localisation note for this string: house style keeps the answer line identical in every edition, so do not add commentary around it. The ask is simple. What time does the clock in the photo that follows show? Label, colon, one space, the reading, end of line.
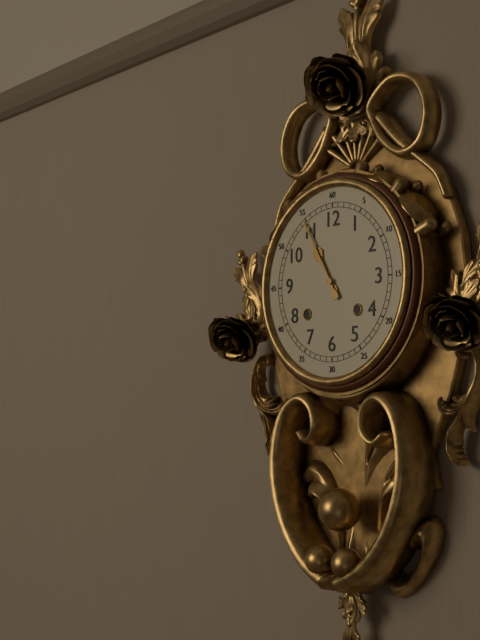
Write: 10:55
